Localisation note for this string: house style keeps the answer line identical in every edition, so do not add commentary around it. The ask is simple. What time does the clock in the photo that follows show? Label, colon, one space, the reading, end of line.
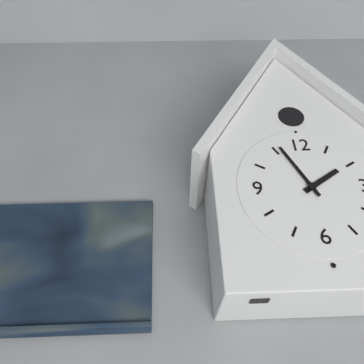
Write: 1:56
